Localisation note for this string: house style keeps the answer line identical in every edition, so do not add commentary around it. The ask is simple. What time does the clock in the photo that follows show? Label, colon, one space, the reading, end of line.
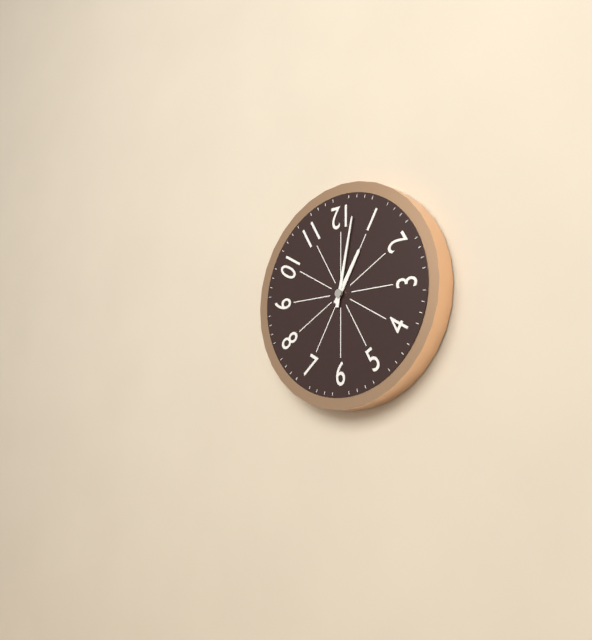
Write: 1:02
